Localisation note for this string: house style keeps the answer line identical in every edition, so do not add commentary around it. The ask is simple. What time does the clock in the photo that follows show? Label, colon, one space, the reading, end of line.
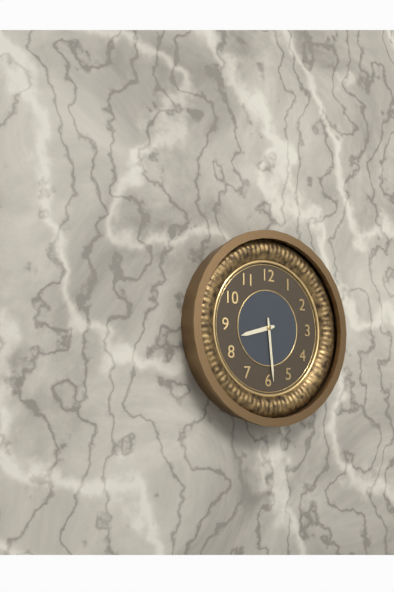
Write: 8:29
